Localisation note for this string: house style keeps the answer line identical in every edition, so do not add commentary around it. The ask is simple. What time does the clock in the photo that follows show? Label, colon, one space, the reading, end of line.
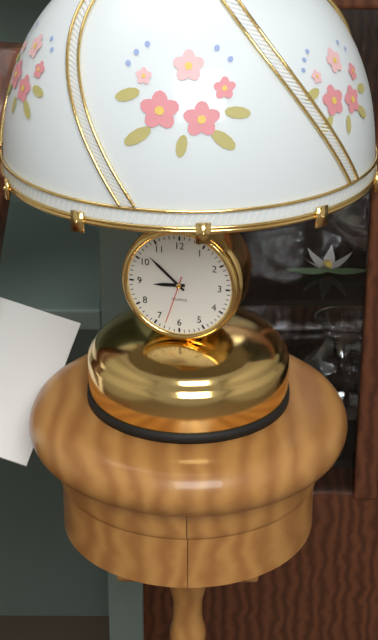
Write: 8:52
